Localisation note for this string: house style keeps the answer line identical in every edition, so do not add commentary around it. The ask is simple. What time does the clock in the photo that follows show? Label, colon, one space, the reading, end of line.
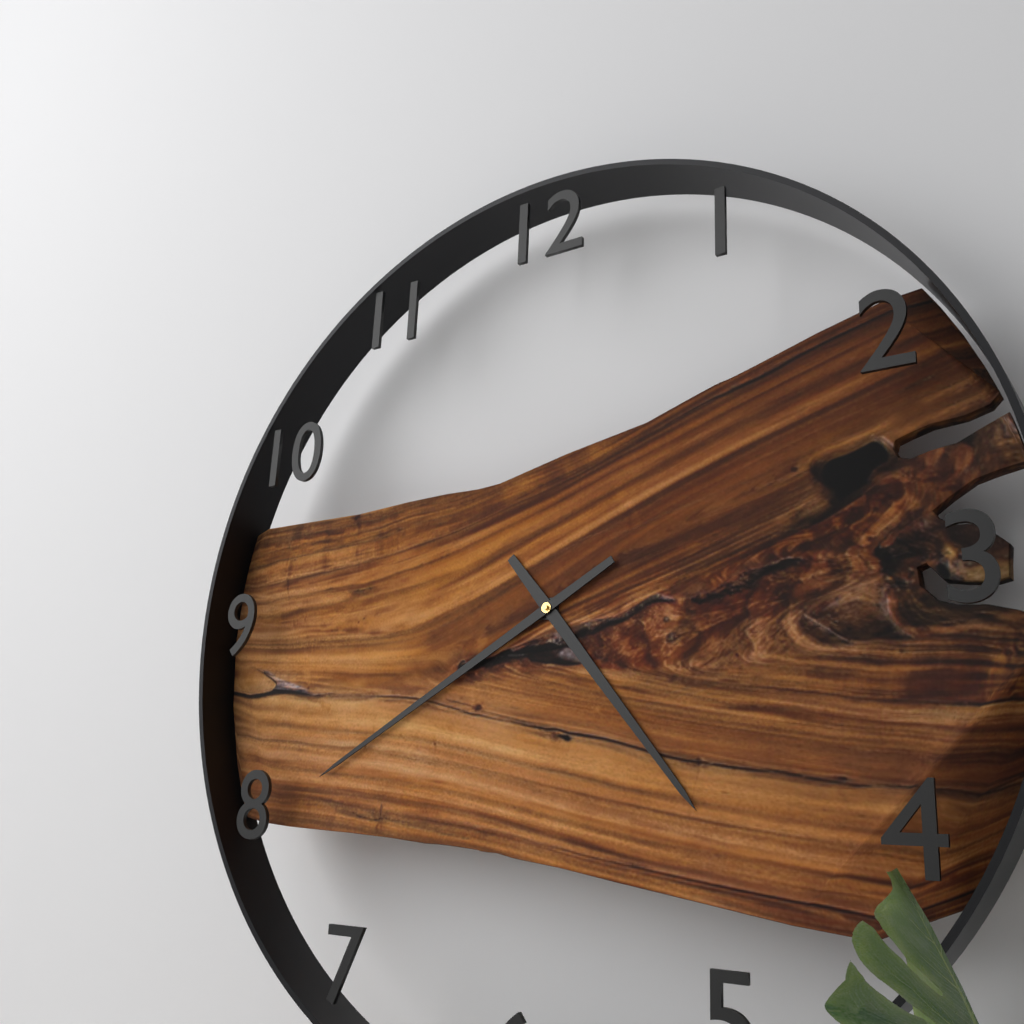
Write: 4:40
